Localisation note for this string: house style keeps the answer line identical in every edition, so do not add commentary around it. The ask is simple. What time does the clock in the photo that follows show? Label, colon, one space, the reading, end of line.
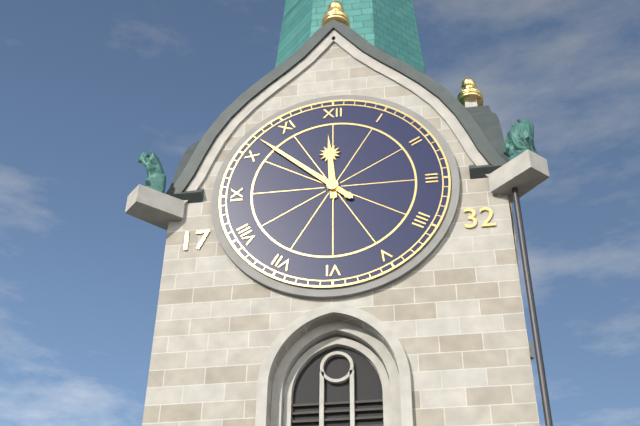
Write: 11:52
